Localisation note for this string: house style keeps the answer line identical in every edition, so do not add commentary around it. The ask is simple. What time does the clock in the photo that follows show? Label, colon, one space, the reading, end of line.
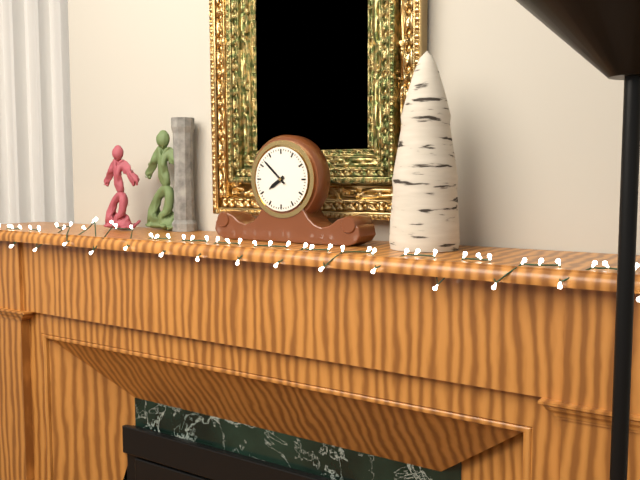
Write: 7:52
